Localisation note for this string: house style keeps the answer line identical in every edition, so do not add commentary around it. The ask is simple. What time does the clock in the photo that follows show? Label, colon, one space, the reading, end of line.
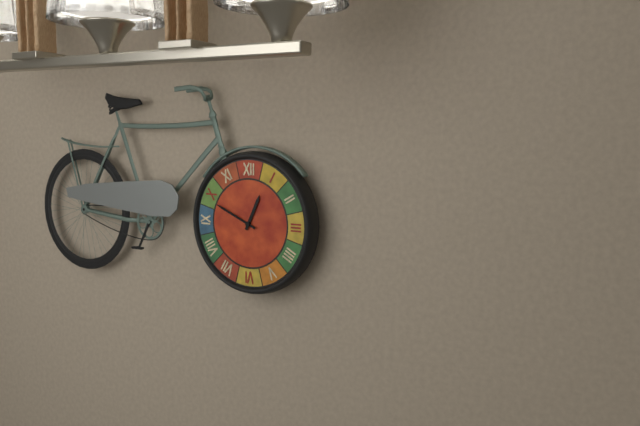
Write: 12:49
